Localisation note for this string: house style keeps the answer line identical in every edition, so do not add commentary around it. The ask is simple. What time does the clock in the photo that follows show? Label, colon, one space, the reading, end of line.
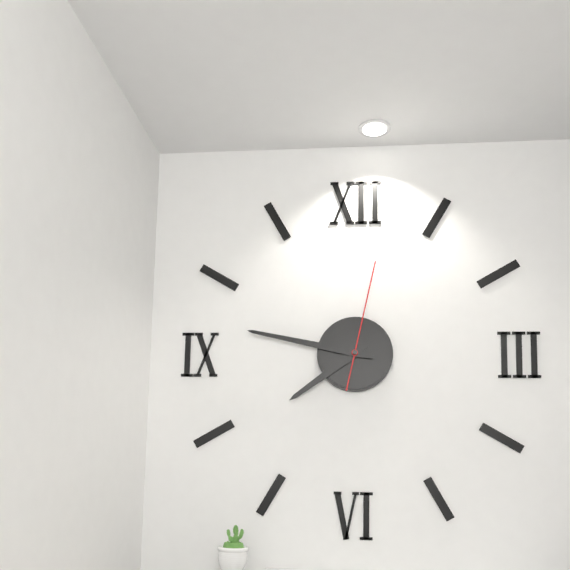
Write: 7:47:02
